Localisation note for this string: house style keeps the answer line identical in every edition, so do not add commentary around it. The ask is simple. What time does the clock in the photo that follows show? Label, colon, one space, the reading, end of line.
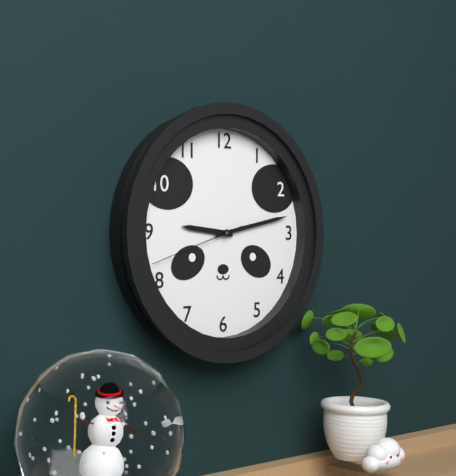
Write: 9:13:42
